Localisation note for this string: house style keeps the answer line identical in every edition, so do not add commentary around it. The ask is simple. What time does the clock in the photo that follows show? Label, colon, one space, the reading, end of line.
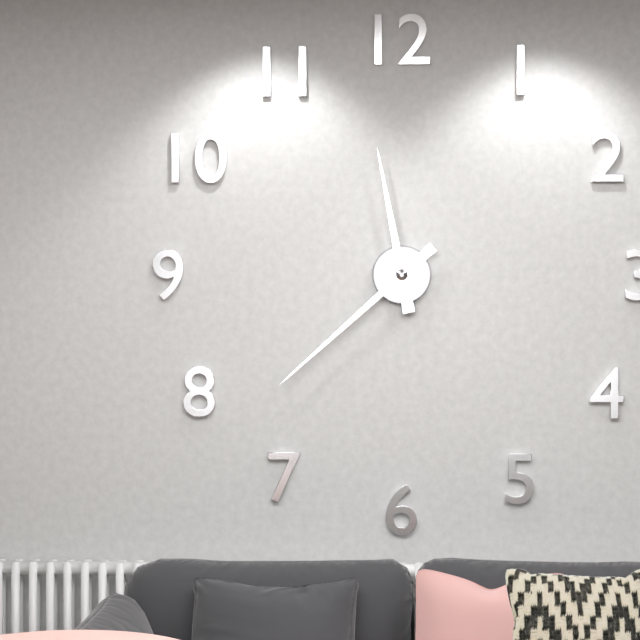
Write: 11:38
